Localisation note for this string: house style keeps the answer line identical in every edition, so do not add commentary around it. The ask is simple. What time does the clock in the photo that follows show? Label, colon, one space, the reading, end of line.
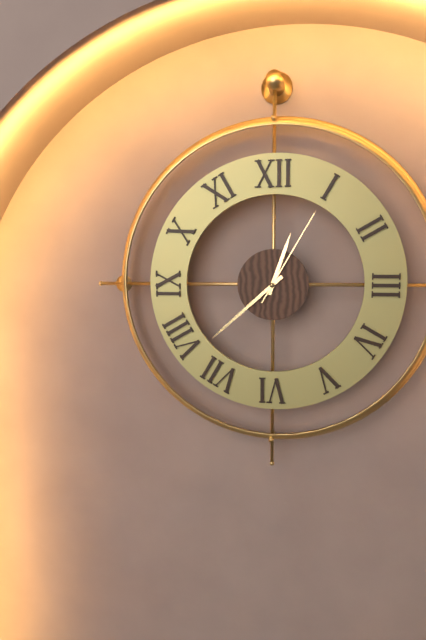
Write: 12:38:05
